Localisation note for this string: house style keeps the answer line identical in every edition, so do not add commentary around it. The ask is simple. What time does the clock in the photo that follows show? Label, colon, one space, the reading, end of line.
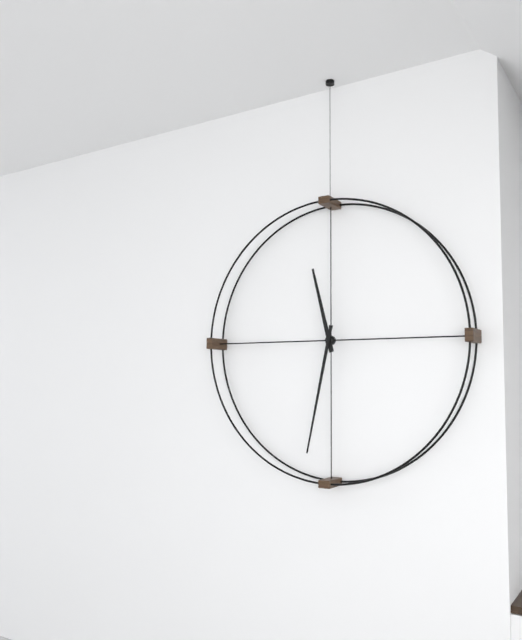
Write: 11:32
